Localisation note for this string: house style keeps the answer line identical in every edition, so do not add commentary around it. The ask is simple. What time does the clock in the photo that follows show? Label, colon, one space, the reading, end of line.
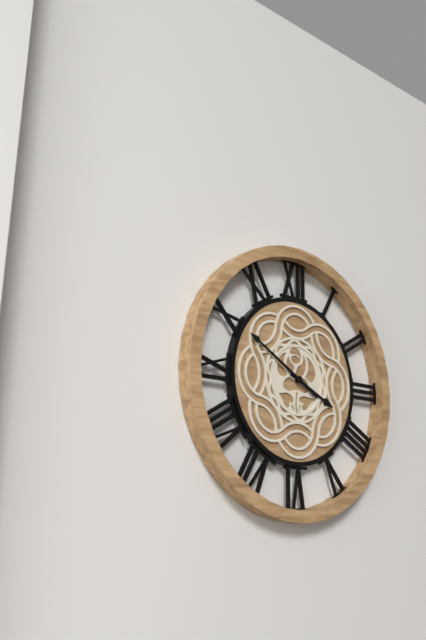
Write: 3:50
